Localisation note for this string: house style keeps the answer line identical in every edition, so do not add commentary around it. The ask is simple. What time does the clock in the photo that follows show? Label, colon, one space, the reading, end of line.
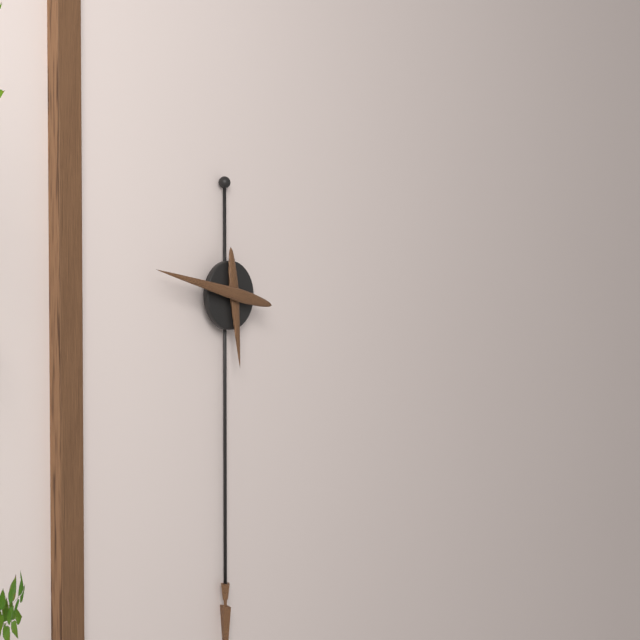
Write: 5:47
